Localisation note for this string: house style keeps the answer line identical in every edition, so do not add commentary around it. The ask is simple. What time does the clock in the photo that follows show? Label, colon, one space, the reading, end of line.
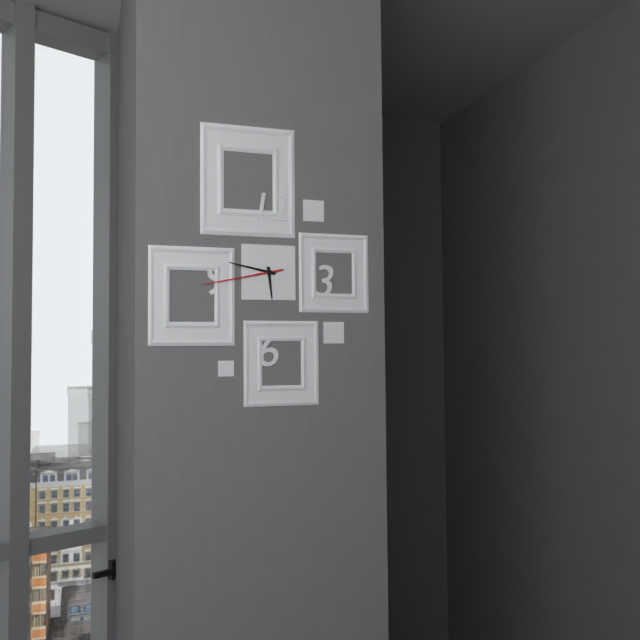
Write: 5:47:43
